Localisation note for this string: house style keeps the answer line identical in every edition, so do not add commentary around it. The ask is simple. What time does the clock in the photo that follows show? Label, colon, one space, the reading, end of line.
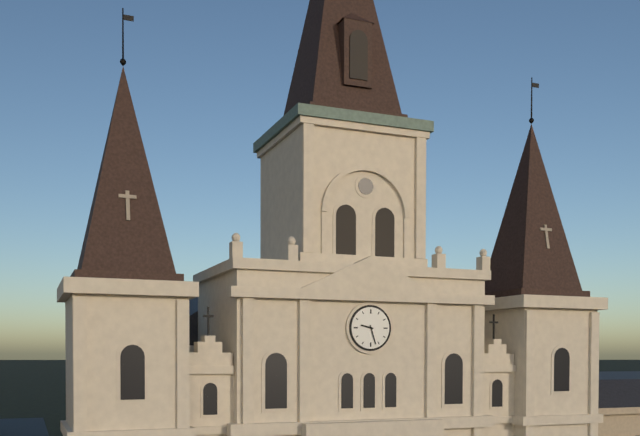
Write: 9:27
